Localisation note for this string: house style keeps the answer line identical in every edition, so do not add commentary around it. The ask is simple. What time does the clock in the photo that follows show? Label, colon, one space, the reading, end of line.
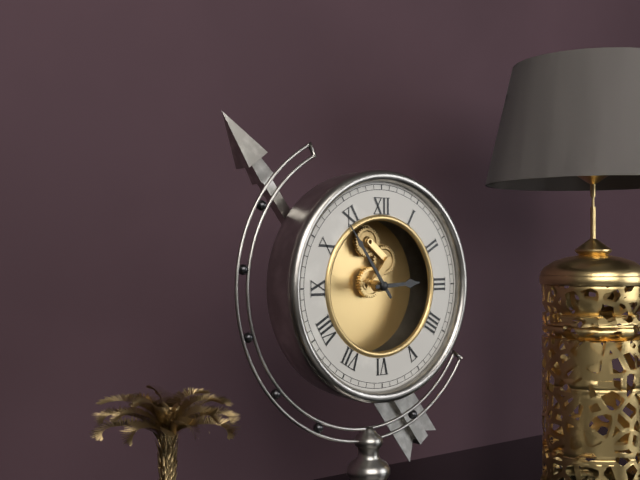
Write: 2:54
